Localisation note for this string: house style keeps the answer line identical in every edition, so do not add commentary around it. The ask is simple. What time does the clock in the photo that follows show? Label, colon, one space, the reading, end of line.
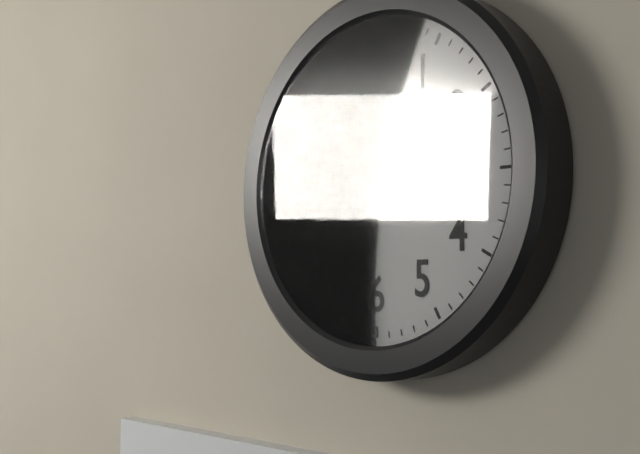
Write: 10:36
